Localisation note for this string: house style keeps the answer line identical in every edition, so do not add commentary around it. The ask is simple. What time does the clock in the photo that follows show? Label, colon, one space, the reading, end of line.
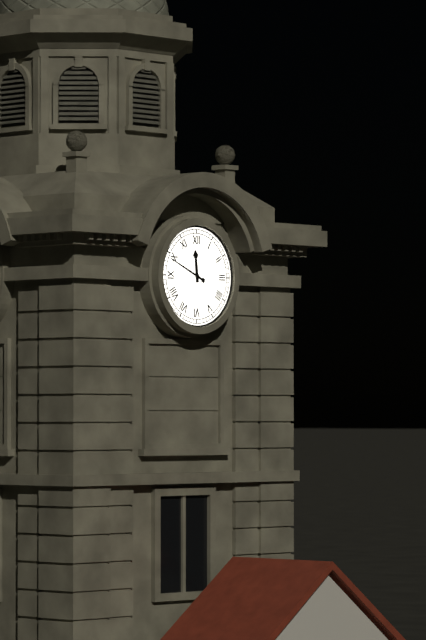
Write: 11:49
